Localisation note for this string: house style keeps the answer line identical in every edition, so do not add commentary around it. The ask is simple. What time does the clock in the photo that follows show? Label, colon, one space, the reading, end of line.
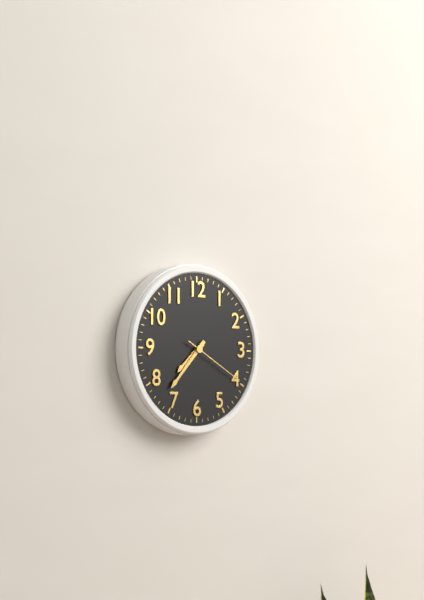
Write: 7:37:20
